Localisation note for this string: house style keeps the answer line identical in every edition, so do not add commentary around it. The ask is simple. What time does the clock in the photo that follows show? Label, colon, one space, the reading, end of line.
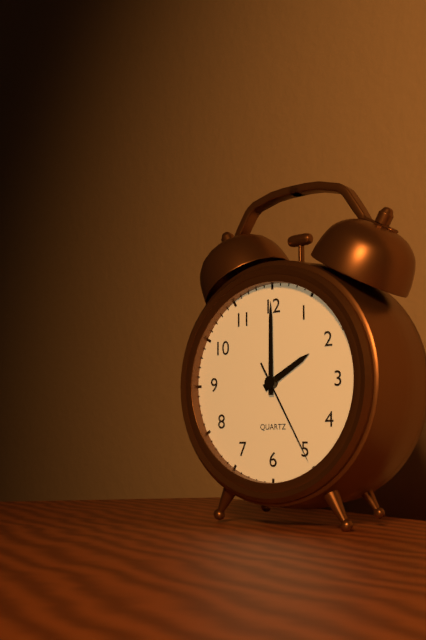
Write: 2:00:25
